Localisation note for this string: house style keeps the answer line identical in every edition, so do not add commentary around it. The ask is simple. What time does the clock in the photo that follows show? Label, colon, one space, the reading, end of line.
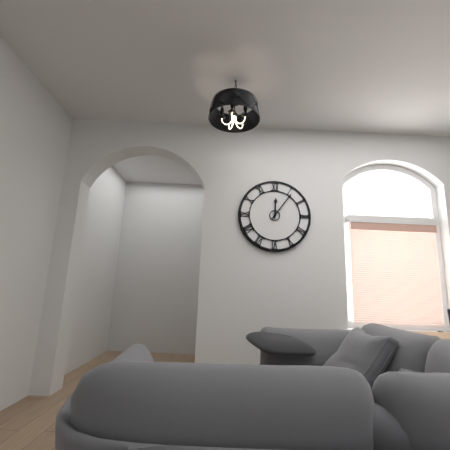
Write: 12:06
